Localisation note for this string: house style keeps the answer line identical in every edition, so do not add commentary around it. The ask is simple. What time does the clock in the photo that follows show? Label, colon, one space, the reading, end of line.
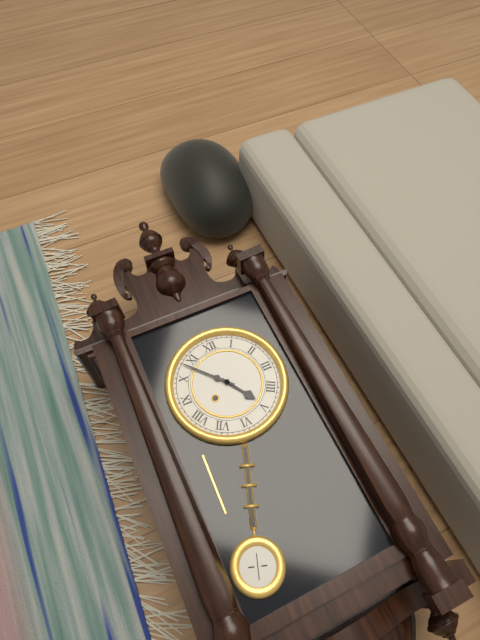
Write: 4:53
